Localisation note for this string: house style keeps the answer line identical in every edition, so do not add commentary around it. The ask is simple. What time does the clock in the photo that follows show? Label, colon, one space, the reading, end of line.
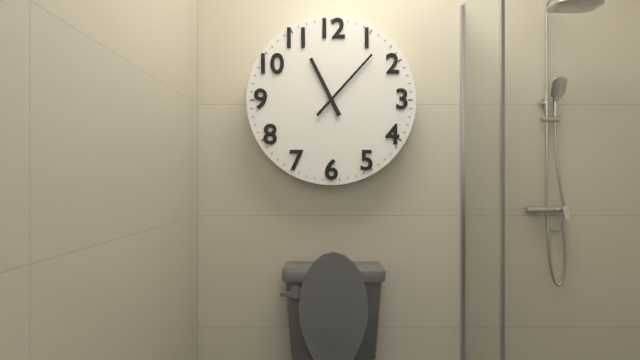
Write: 11:07
